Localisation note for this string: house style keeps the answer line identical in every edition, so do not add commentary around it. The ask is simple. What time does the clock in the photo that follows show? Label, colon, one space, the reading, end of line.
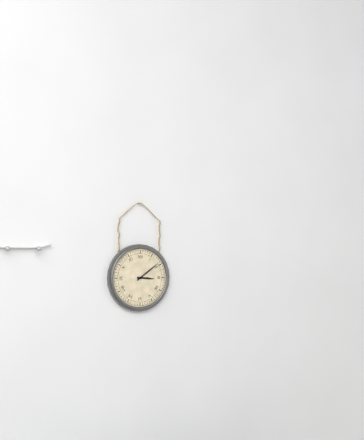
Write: 3:09
